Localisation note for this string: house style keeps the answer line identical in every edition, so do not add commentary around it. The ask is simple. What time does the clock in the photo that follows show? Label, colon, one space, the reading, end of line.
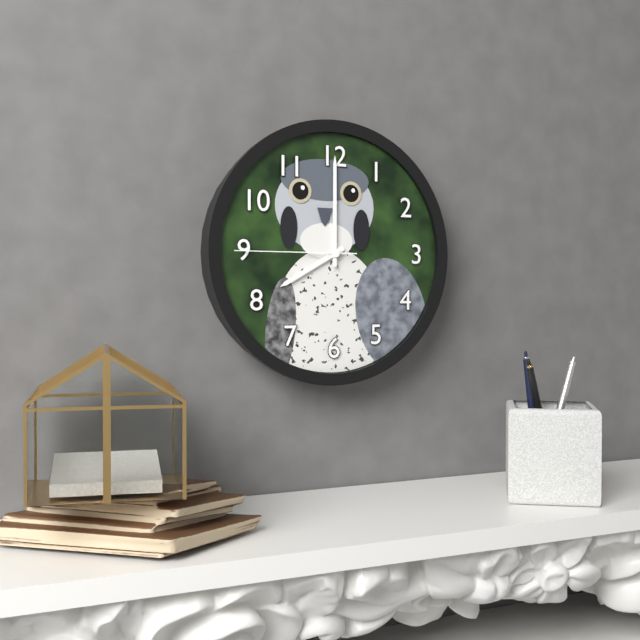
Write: 8:00:45
